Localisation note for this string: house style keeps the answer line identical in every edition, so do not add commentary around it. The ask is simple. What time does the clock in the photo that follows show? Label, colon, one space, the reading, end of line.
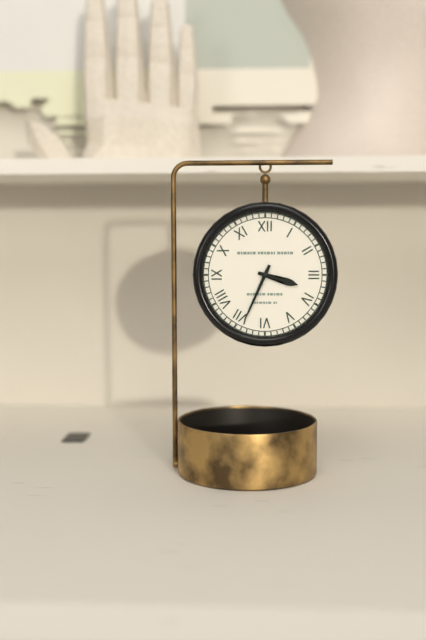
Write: 3:34
